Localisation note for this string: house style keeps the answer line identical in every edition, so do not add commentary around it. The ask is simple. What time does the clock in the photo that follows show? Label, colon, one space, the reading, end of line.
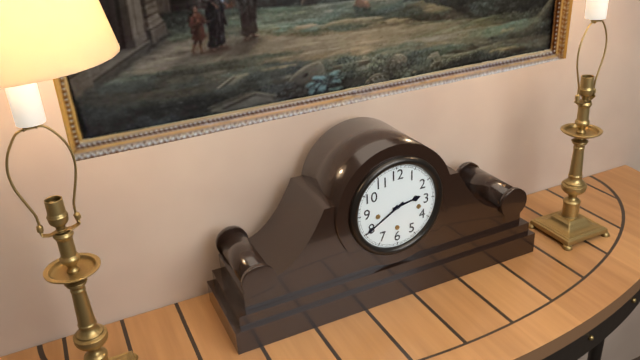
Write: 2:40
